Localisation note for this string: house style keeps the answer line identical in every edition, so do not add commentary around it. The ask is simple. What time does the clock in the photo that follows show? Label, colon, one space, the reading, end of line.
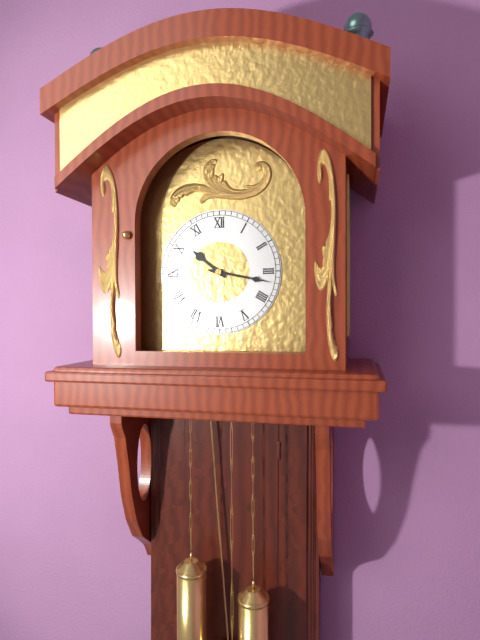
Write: 10:17
